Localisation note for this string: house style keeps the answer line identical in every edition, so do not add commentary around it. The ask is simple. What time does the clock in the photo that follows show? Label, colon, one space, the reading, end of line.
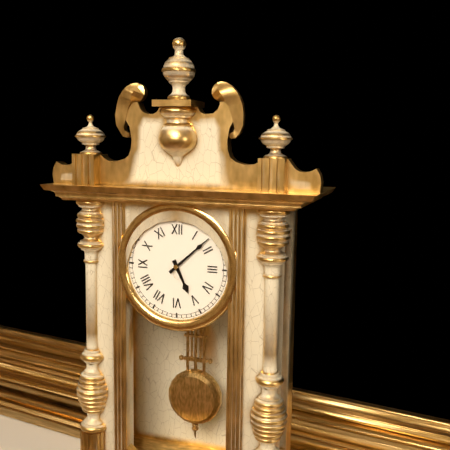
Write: 5:08
